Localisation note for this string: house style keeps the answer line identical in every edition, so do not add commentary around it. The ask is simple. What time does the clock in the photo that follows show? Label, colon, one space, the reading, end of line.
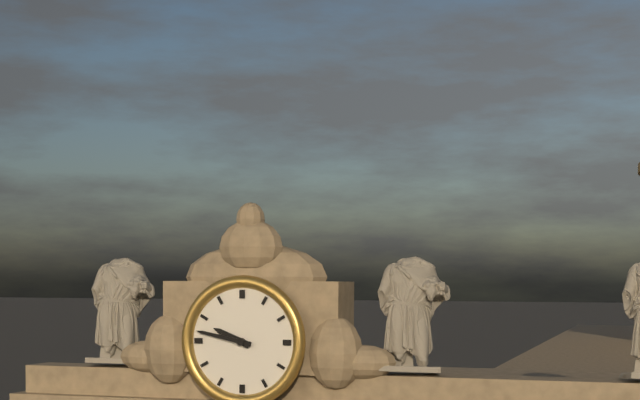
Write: 9:47
